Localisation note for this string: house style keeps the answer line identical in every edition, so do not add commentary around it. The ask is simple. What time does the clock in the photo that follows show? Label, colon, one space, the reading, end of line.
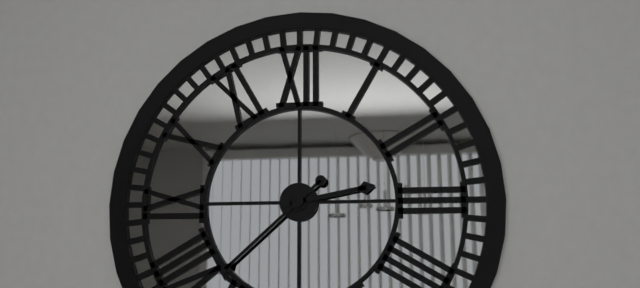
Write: 2:38
